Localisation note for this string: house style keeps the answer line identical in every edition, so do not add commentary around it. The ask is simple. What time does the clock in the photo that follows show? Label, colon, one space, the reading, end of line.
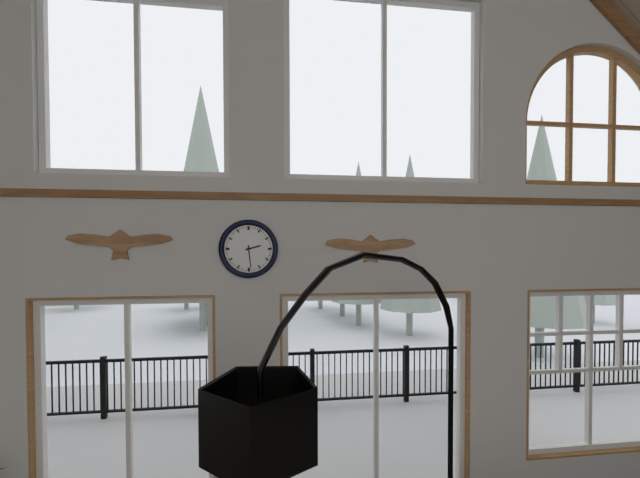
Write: 2:29
